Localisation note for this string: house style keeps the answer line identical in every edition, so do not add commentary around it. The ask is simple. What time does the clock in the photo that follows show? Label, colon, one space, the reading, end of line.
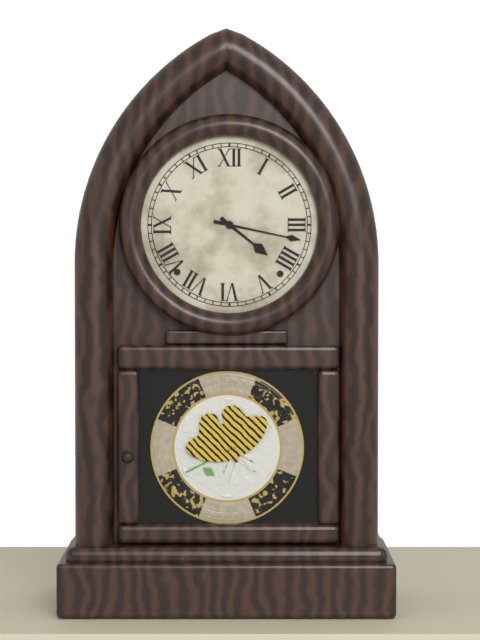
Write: 4:17
